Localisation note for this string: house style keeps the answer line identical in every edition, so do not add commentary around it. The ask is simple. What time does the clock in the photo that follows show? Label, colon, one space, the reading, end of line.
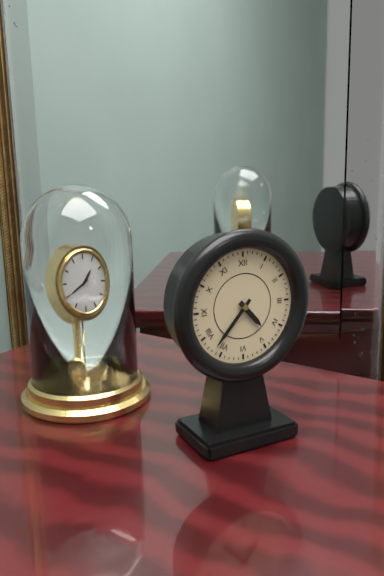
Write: 4:37
